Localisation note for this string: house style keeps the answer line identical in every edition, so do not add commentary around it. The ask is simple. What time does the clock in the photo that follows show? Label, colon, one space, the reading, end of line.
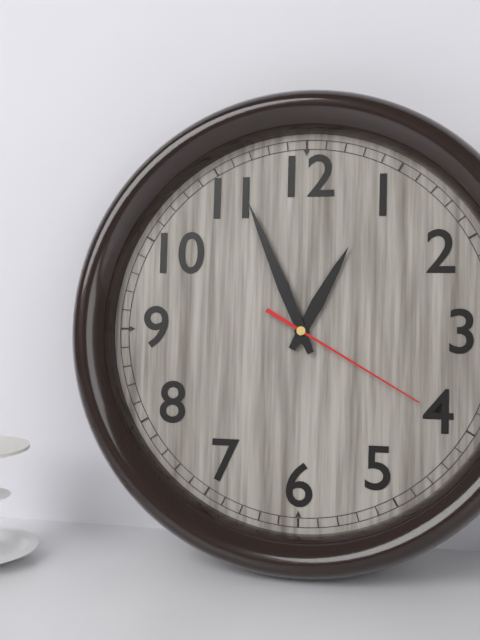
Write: 12:56:20
